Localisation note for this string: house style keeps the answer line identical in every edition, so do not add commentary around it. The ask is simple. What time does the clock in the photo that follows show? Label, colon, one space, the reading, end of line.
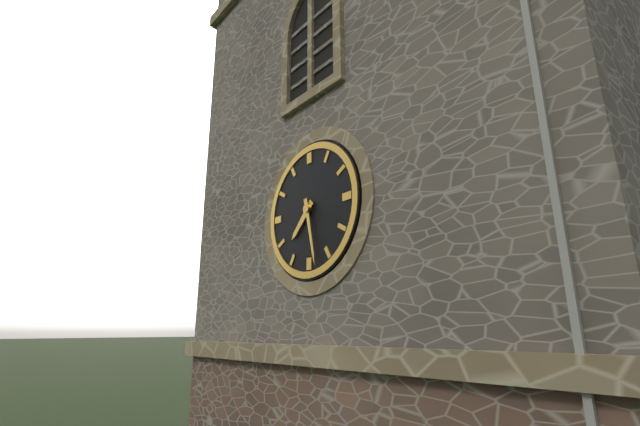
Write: 7:28
